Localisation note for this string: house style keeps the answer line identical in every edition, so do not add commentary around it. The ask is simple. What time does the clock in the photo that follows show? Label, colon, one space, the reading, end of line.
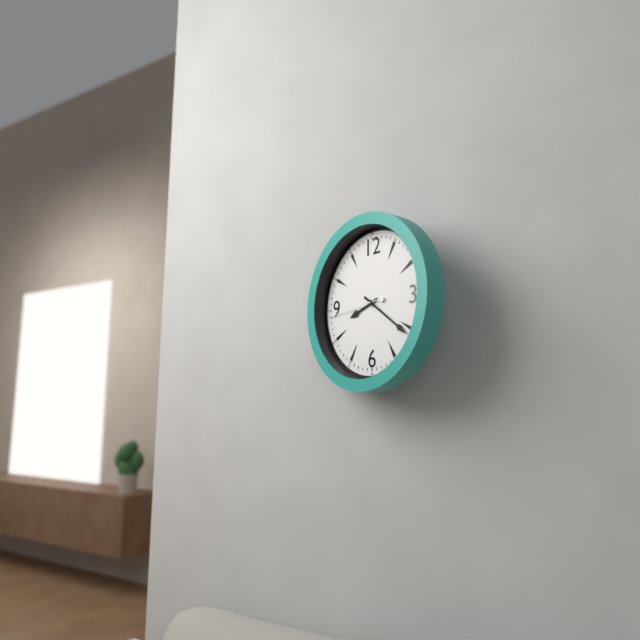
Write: 8:21:44
